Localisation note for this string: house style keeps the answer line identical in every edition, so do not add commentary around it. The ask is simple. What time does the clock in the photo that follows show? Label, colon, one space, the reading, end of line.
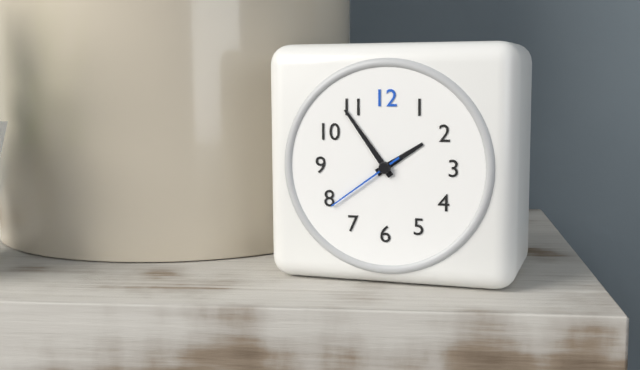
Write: 1:54:39
